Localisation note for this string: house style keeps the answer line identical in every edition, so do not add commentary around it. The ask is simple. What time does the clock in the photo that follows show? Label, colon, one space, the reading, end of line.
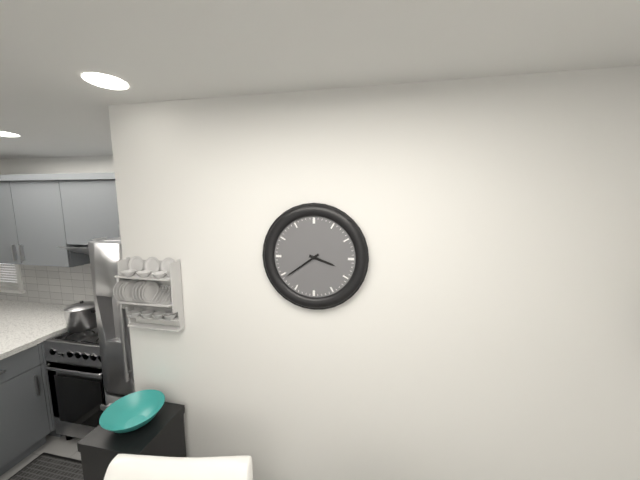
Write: 3:39
